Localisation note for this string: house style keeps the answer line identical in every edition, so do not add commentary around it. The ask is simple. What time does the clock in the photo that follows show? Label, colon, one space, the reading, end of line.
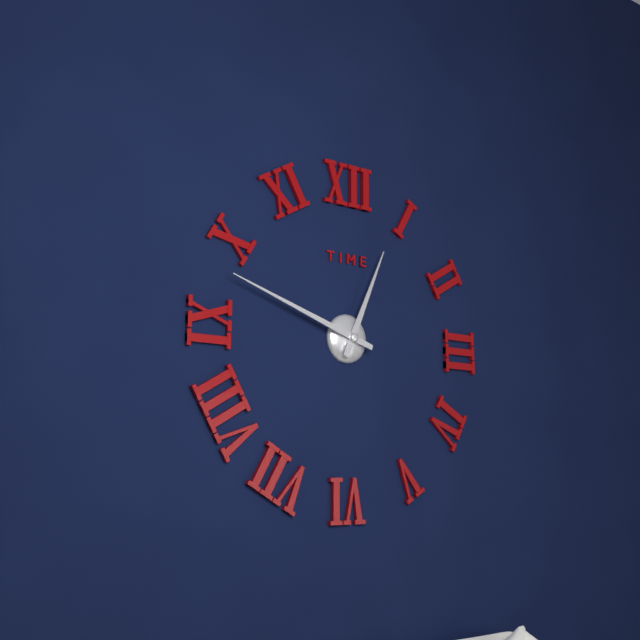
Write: 12:48
